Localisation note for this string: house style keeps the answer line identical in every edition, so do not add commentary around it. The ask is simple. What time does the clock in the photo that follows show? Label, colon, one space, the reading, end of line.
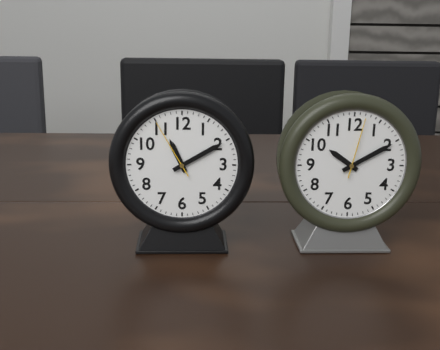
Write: 11:10:55
